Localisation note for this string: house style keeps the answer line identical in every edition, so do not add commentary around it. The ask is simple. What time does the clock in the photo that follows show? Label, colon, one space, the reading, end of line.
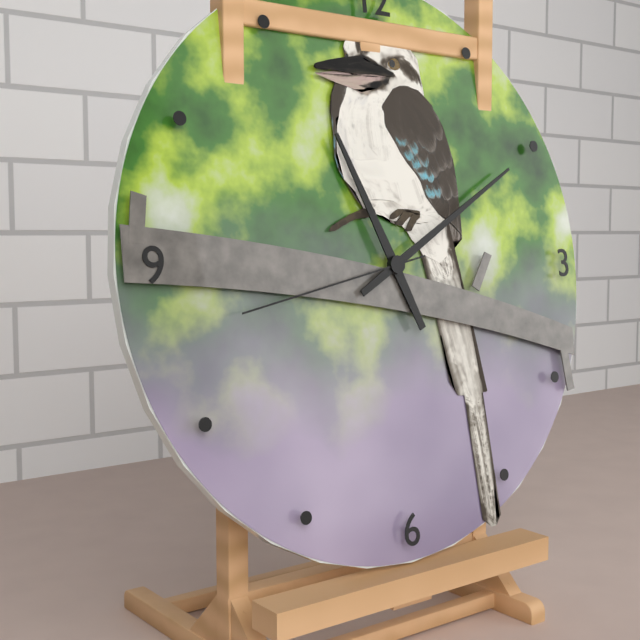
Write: 11:10:43
